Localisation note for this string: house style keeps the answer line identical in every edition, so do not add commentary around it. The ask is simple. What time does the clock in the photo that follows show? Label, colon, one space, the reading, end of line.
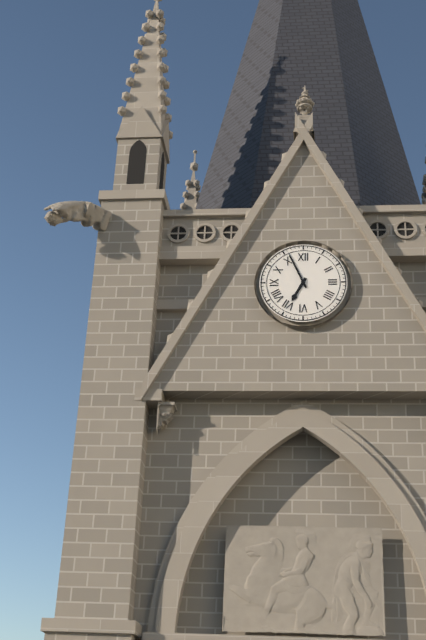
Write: 6:56
